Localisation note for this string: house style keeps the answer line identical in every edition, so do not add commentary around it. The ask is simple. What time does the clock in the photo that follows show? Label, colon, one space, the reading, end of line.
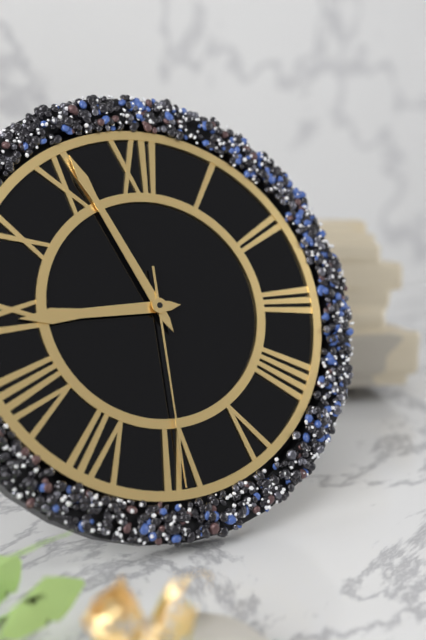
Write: 8:56:30
